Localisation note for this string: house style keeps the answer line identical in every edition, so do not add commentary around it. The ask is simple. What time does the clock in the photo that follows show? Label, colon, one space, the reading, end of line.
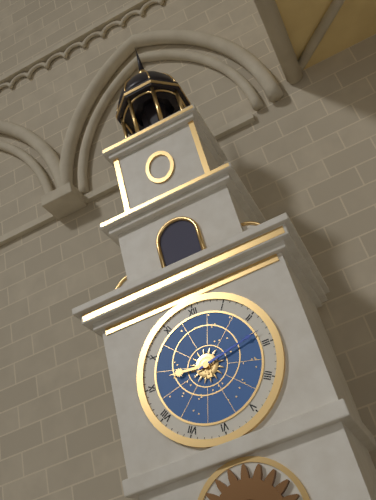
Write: 9:13
